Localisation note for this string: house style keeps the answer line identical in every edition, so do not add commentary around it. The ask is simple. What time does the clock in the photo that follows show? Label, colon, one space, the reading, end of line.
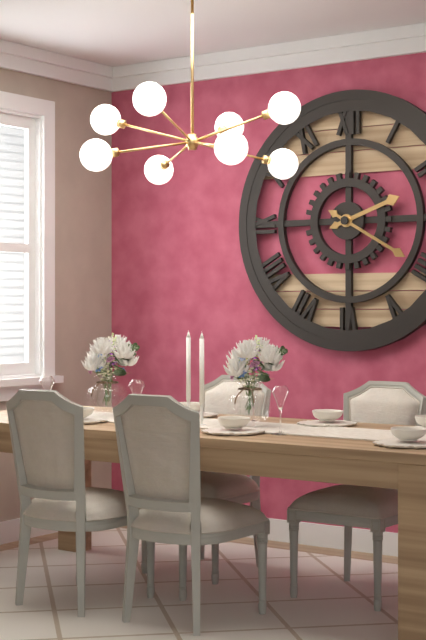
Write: 2:20
